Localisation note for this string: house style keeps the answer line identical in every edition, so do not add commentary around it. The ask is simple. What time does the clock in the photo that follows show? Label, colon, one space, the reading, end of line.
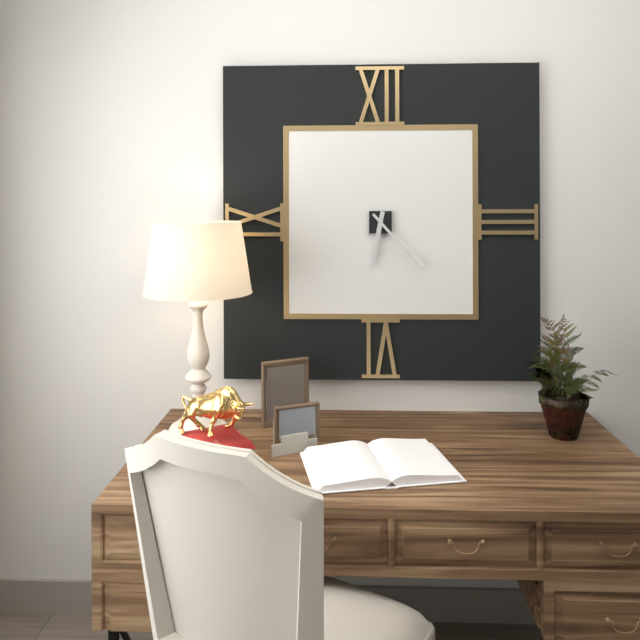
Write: 6:23
